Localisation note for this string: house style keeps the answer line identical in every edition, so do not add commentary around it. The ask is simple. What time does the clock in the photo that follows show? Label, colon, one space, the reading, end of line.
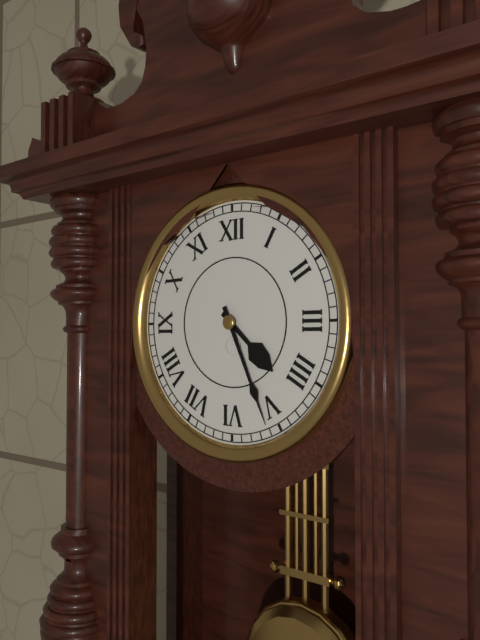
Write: 4:26
